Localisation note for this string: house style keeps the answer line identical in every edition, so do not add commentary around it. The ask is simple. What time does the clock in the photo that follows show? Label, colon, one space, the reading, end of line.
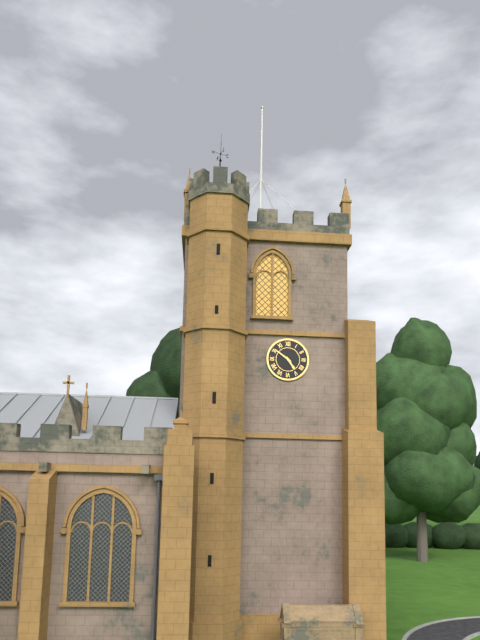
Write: 4:51
